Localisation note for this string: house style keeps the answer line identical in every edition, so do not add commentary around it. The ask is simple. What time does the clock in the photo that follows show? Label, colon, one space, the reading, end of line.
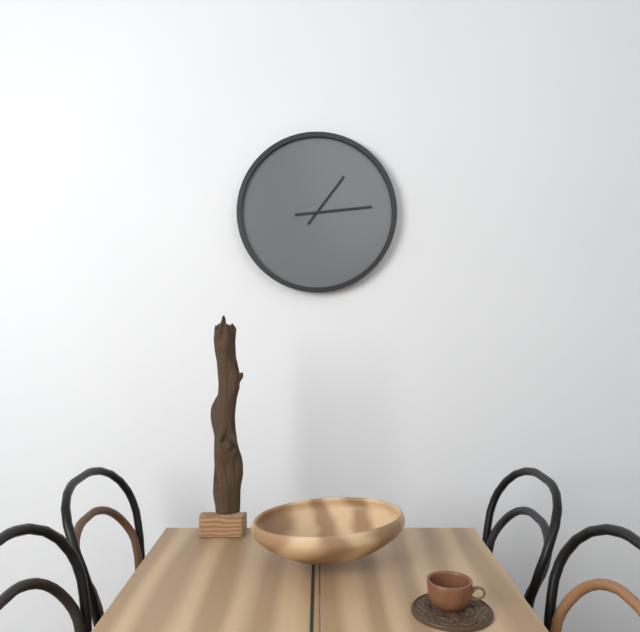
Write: 1:14
